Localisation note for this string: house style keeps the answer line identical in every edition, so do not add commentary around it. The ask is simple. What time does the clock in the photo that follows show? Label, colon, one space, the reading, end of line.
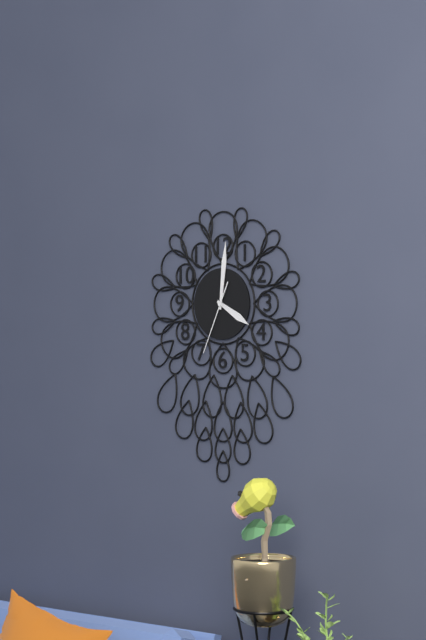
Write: 4:01:34
